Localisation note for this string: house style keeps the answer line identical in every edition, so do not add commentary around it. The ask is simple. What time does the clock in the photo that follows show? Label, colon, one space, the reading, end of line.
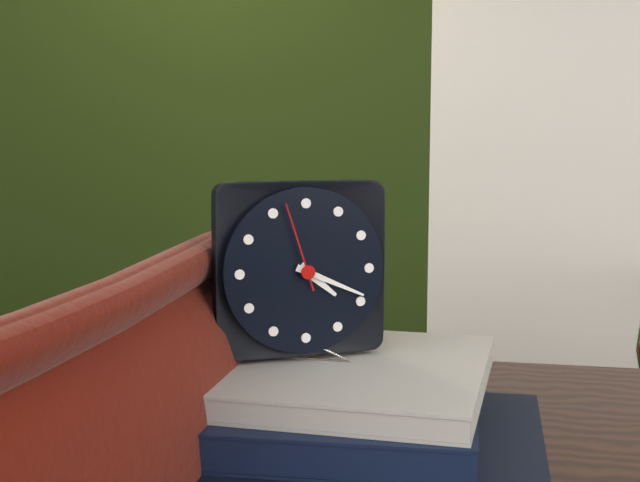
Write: 4:19:57
